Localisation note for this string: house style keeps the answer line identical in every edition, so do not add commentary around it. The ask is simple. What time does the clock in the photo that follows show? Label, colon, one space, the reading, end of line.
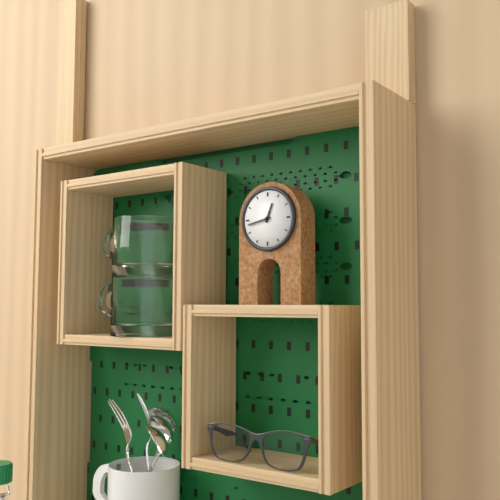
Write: 12:43
